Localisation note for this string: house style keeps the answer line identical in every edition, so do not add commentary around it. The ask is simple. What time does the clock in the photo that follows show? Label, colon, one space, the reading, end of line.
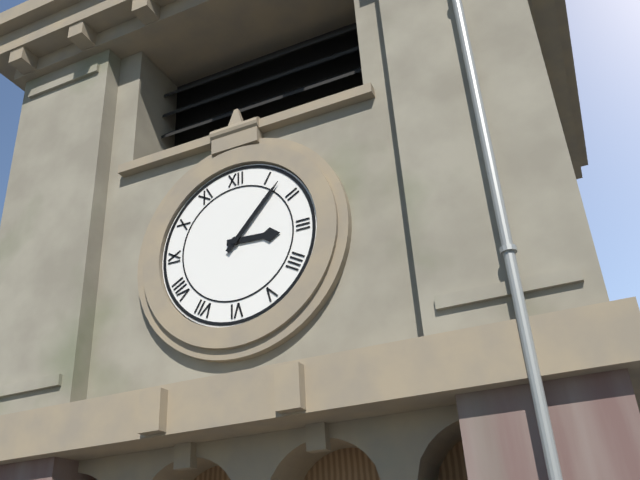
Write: 3:07
